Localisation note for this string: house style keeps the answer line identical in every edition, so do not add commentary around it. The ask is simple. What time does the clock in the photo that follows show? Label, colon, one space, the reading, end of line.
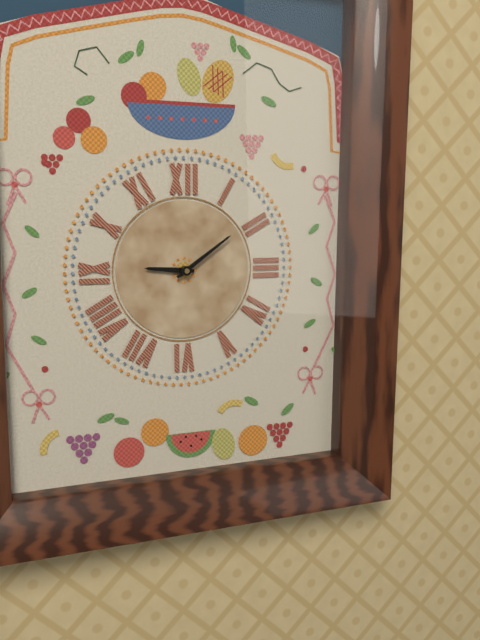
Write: 9:09
